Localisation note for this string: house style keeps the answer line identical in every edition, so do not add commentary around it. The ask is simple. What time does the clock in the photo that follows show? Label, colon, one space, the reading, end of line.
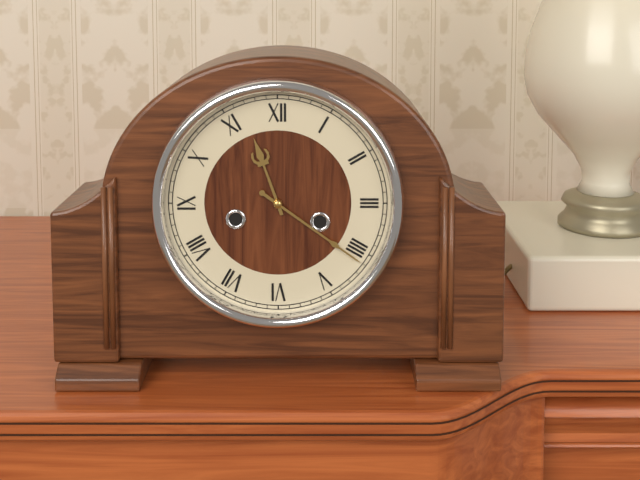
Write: 11:21
